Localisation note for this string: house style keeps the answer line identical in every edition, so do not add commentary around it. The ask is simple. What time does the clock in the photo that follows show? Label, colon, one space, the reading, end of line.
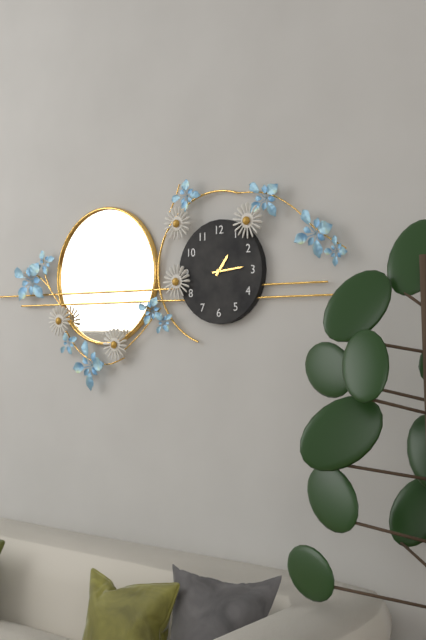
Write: 1:14
